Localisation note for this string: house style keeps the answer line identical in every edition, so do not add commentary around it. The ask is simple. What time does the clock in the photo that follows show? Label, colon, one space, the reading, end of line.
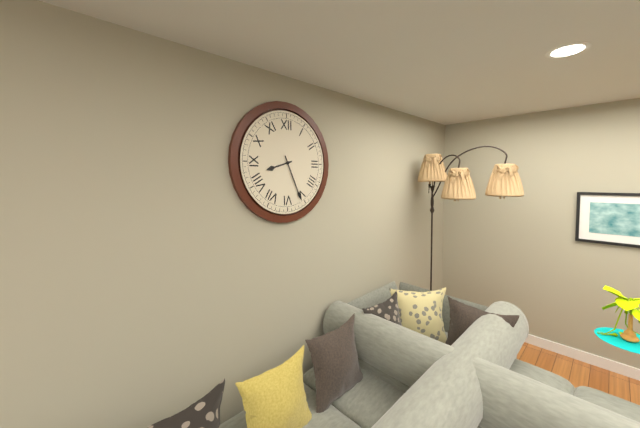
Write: 8:26
